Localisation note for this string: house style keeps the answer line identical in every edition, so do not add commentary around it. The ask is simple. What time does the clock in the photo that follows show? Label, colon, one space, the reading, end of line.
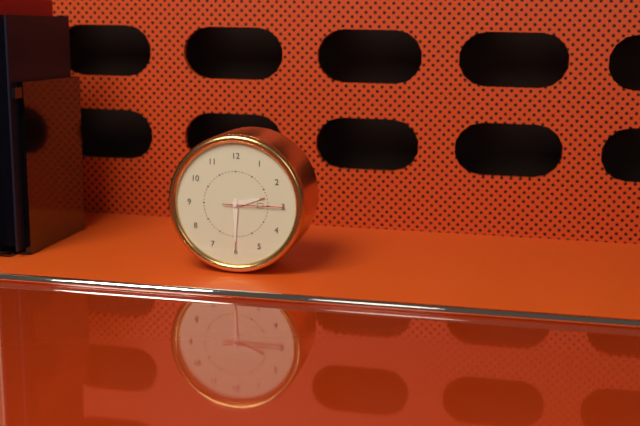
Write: 2:30:15
